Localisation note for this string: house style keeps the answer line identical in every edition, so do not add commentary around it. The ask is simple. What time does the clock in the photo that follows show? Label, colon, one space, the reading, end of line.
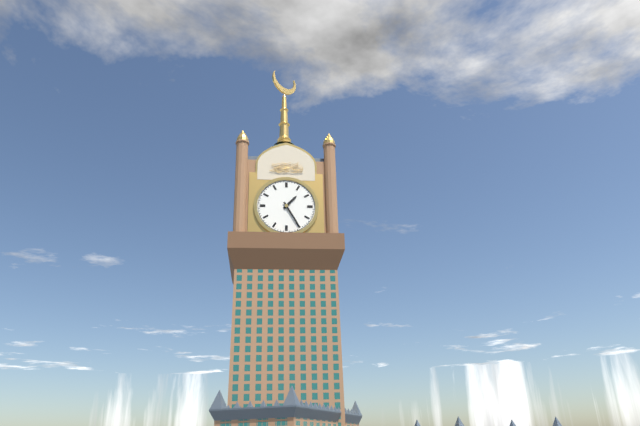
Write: 1:25
